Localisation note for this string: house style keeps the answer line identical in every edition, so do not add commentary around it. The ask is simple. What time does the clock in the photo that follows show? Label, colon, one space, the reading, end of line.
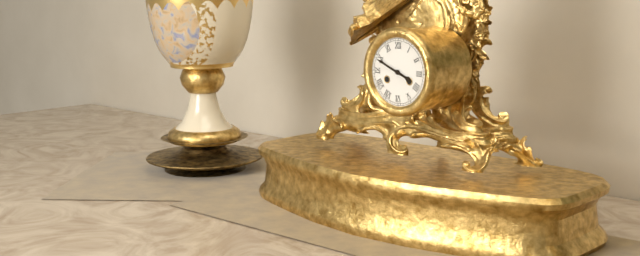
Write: 3:49
